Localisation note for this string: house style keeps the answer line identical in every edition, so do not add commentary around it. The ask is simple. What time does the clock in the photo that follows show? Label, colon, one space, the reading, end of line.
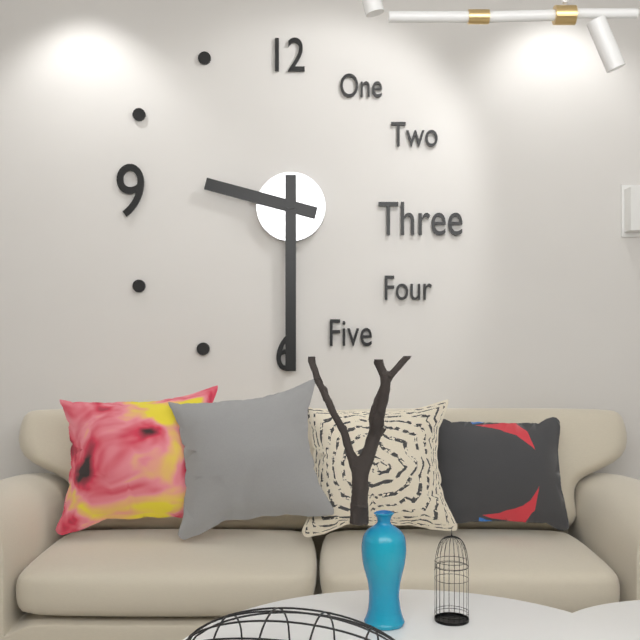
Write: 9:30
